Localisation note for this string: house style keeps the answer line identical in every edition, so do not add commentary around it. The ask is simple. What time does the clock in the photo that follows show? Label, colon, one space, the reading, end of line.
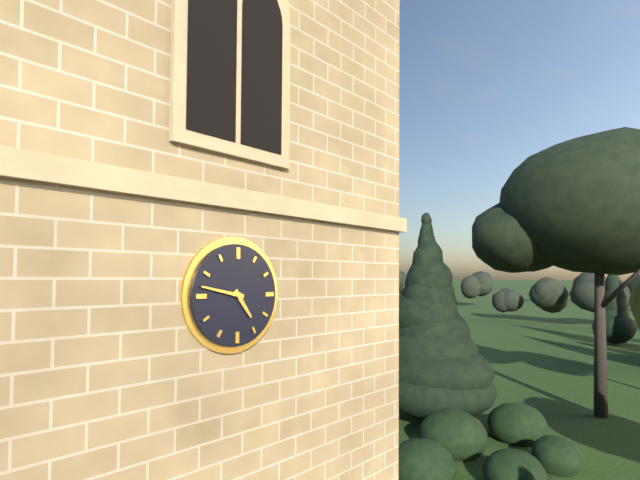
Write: 4:47
